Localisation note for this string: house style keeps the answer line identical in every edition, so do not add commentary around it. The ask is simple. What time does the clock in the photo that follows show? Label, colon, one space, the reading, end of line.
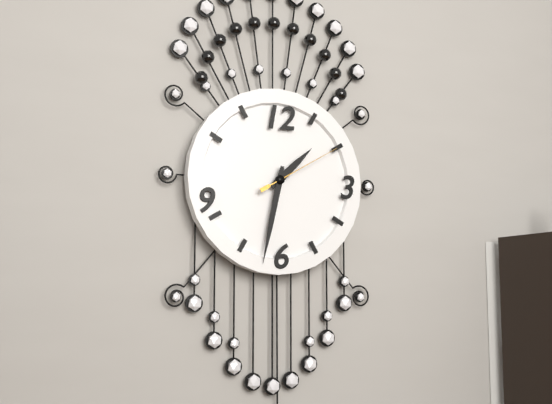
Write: 1:32:10
